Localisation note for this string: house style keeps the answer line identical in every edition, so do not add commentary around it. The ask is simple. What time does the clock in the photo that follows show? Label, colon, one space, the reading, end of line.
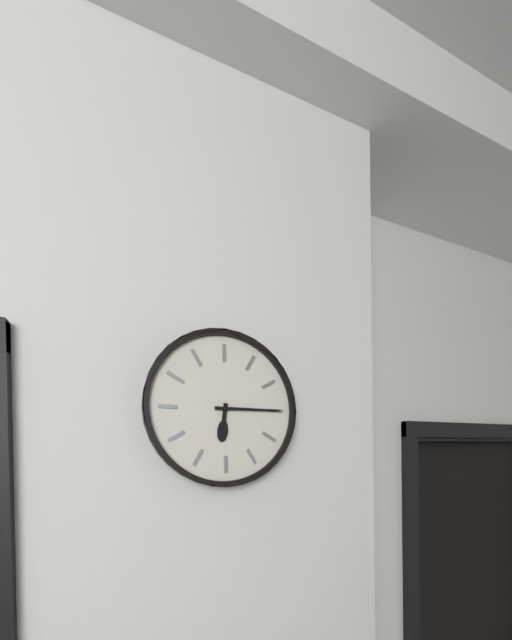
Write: 6:15
